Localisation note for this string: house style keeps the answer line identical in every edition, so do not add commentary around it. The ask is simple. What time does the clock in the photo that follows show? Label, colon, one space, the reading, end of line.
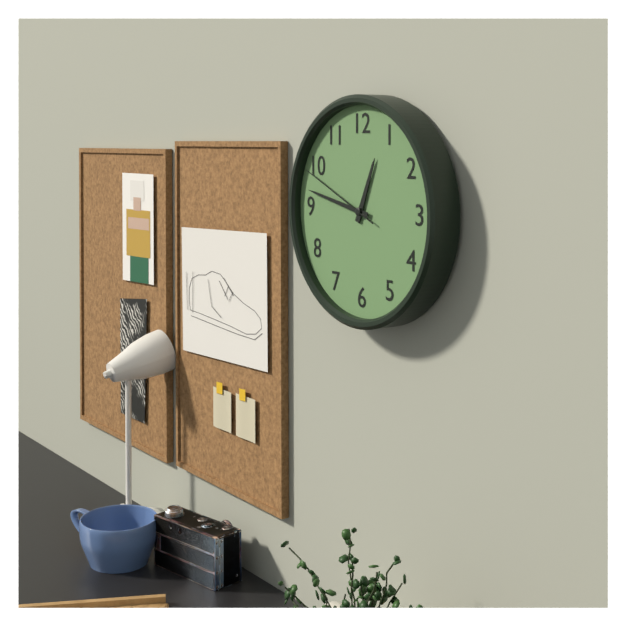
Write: 12:47:49
